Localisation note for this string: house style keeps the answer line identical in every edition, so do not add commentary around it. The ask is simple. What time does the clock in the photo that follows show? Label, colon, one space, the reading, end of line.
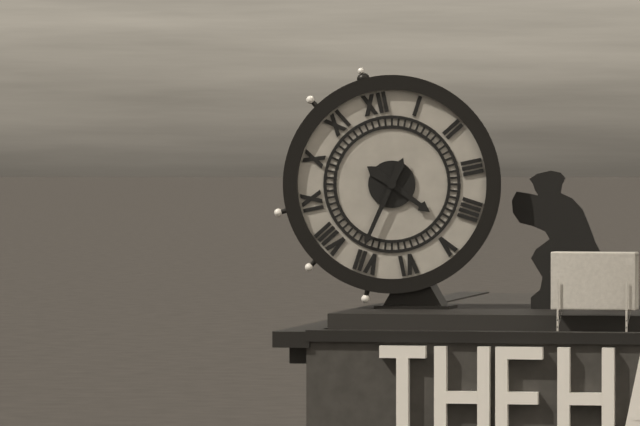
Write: 4:36
